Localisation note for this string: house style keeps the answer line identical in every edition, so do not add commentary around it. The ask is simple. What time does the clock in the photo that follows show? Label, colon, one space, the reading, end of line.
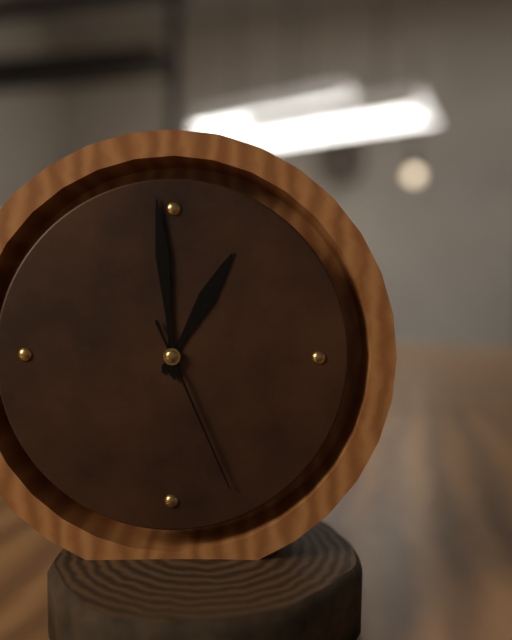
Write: 12:59:26
